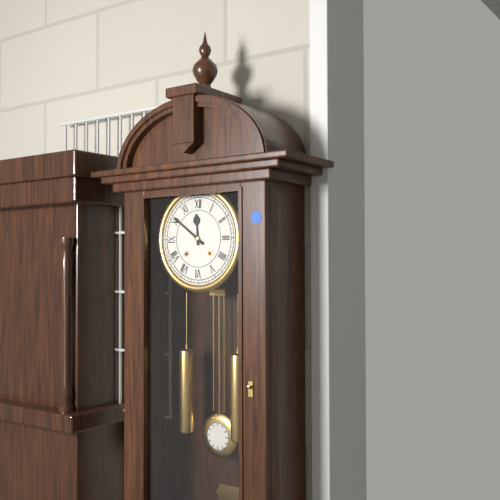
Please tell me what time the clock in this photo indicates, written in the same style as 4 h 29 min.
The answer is 11 h 51 min
